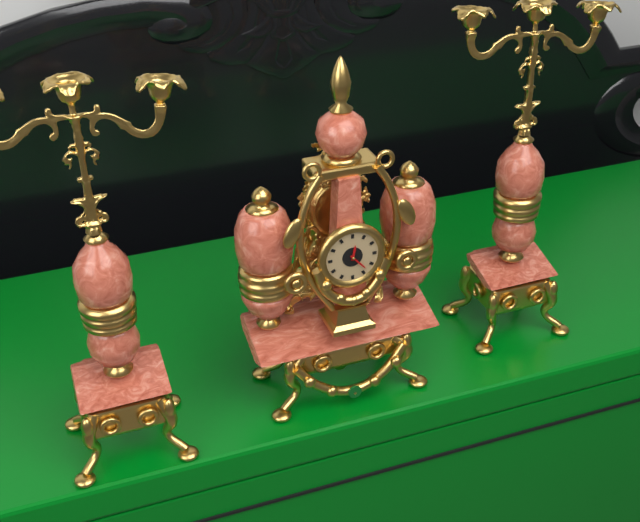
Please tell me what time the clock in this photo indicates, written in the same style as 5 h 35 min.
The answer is 12 h 23 min
